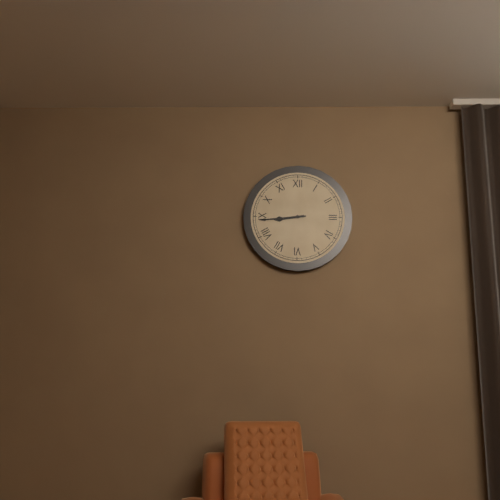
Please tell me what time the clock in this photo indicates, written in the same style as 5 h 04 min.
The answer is 8 h 44 min
